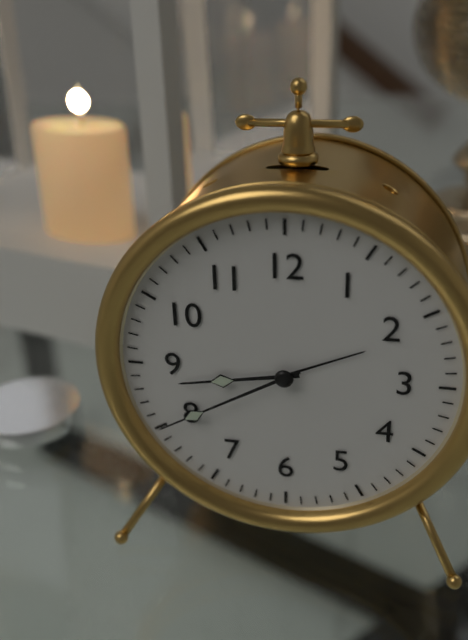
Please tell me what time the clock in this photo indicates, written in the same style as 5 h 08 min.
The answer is 8 h 40 min
